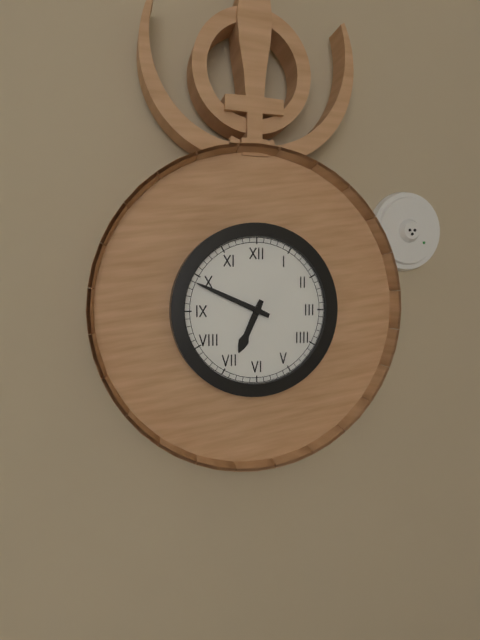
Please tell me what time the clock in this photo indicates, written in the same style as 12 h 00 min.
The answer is 6 h 49 min
